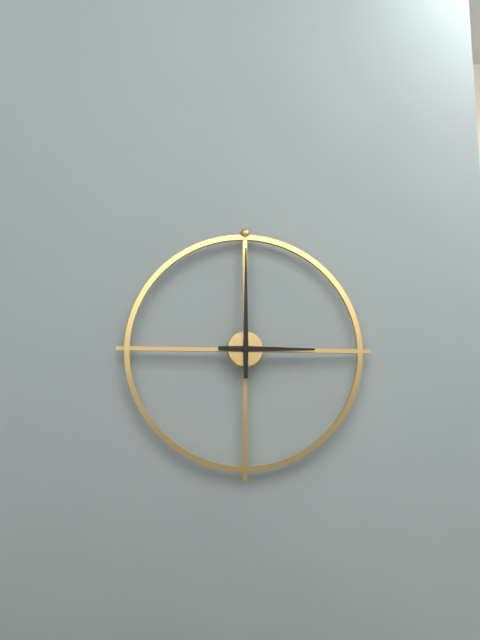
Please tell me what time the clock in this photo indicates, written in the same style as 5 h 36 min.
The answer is 3 h 00 min
